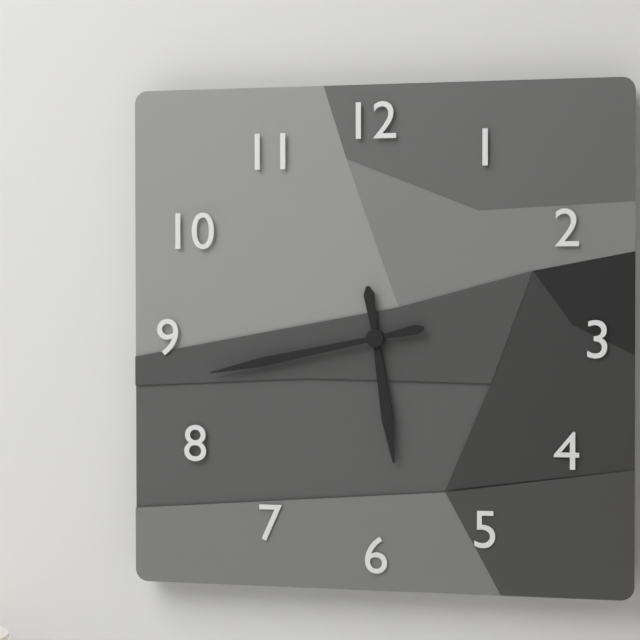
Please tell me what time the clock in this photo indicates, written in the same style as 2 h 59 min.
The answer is 5 h 43 min
